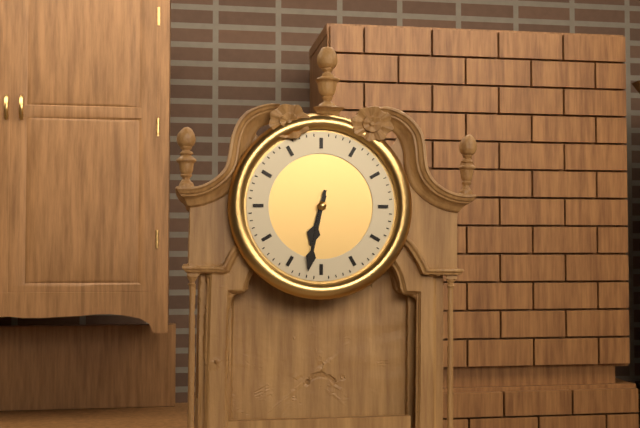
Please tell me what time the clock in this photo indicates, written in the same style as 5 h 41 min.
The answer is 6 h 32 min
